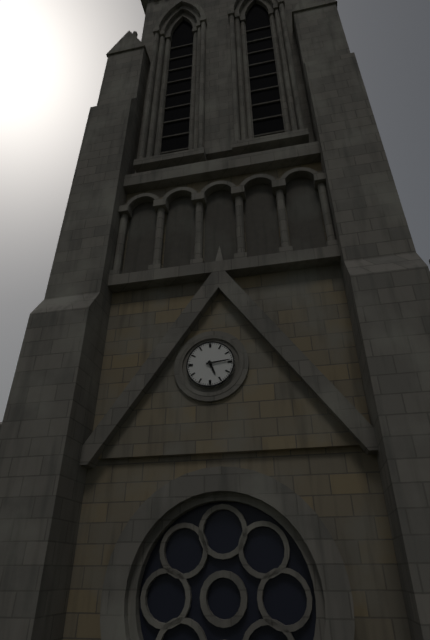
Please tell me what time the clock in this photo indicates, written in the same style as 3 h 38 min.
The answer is 5 h 14 min
